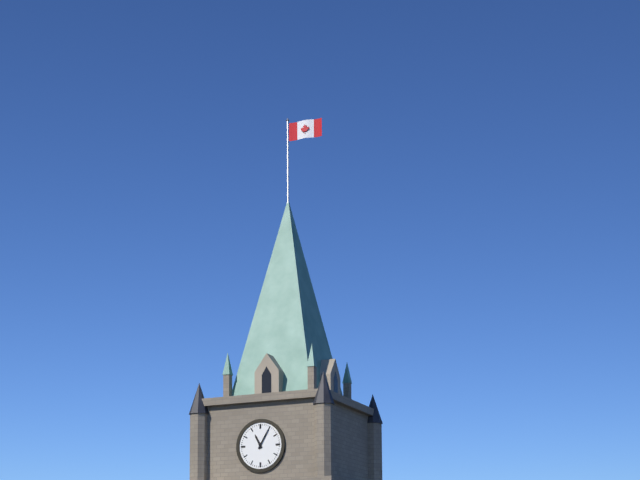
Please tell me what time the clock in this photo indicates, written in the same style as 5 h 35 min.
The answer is 11 h 05 min
